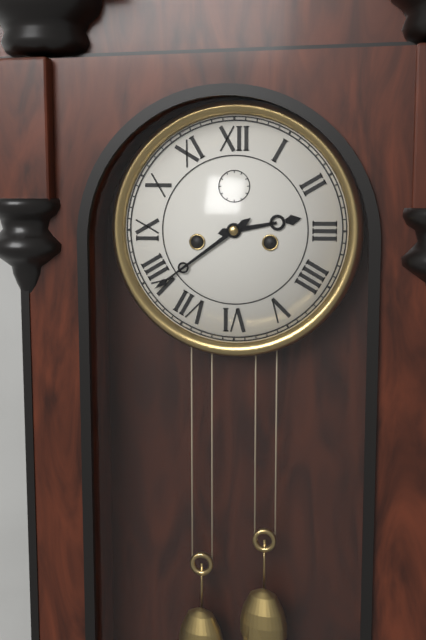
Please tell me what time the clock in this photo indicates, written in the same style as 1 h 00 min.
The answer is 2 h 39 min
